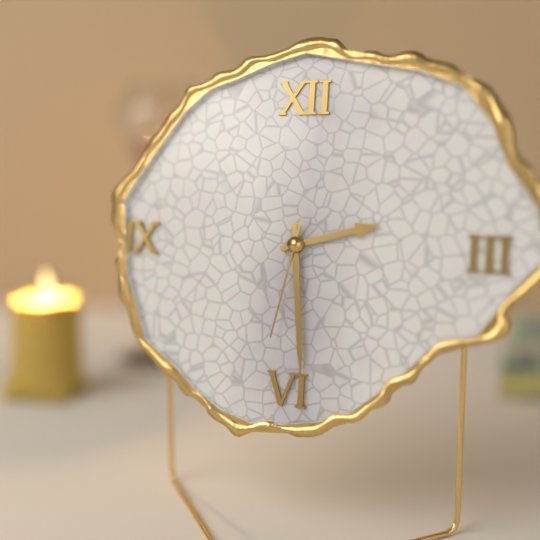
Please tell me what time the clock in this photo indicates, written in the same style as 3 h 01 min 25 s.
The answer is 2 h 29 min 32 s
